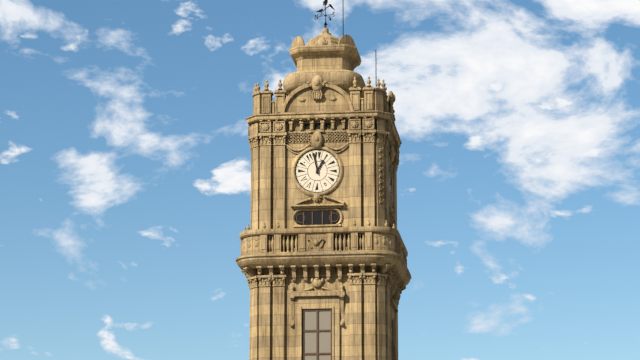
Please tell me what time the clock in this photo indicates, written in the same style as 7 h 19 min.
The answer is 12 h 58 min
